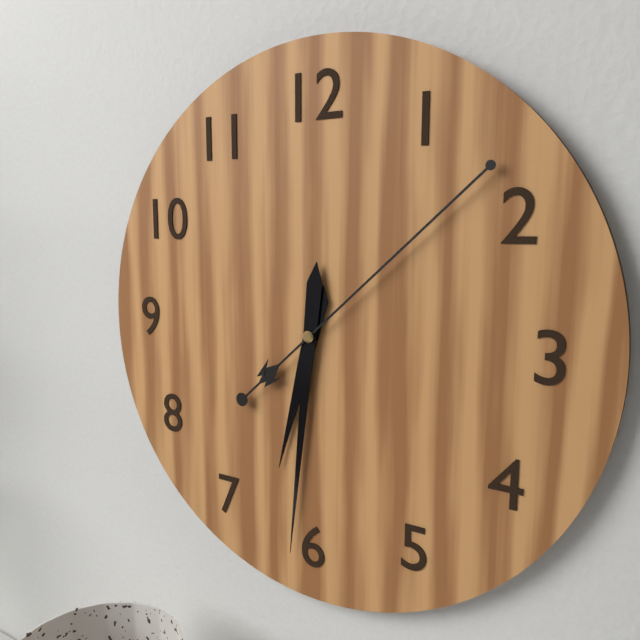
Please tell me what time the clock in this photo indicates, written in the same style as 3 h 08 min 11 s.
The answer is 6 h 31 min 08 s
